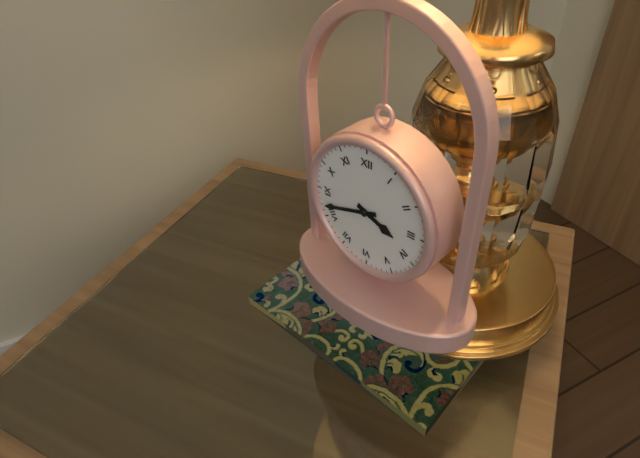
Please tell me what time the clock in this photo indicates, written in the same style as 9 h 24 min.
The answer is 3 h 42 min
